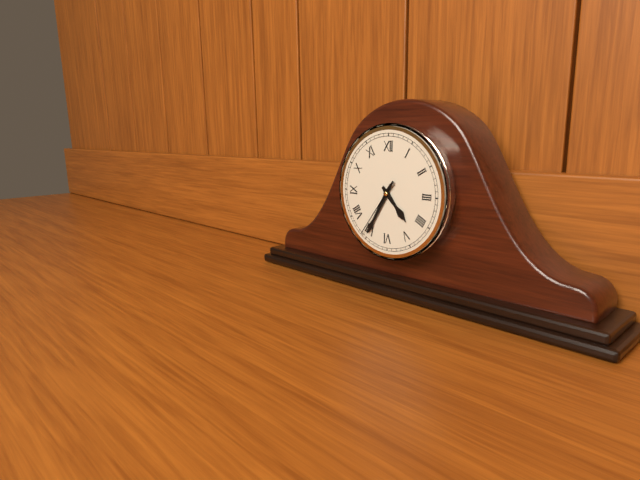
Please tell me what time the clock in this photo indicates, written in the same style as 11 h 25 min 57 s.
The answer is 4 h 35 min 36 s
